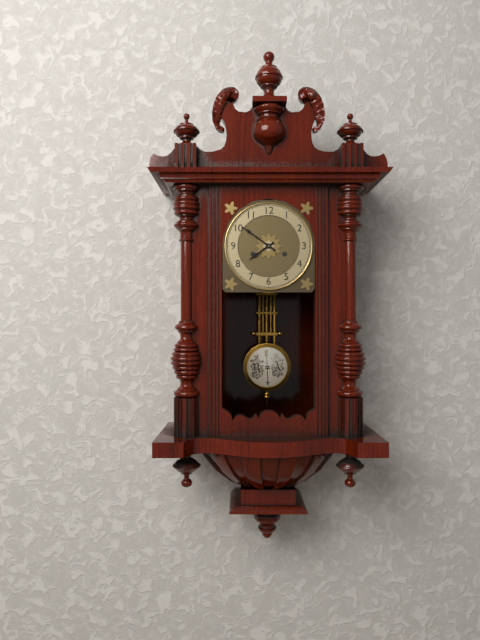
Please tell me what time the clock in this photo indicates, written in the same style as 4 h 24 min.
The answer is 7 h 51 min
